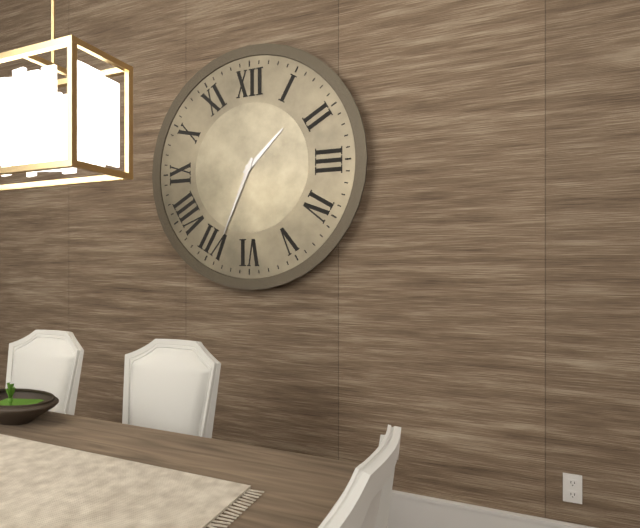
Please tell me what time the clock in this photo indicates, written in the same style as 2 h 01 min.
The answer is 1 h 34 min
